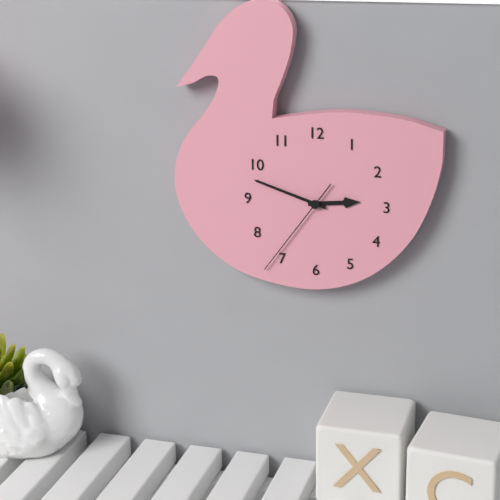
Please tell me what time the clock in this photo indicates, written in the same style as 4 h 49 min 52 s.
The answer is 2 h 48 min 36 s
